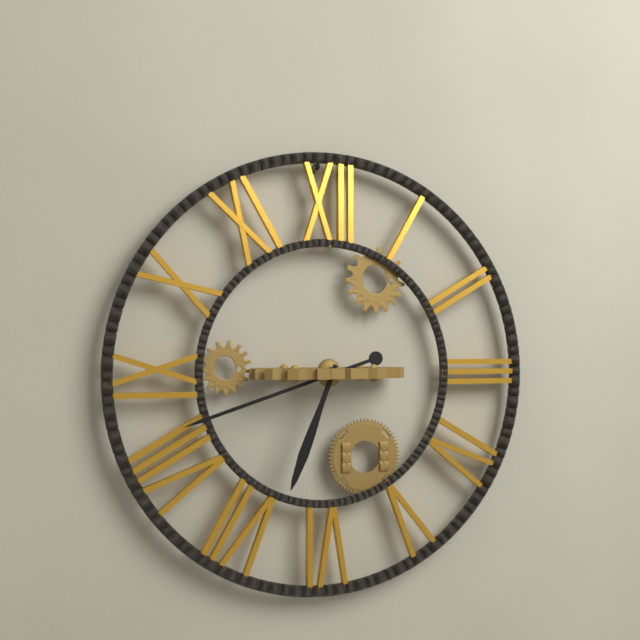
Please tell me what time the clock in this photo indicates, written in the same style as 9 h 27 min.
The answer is 6 h 42 min
